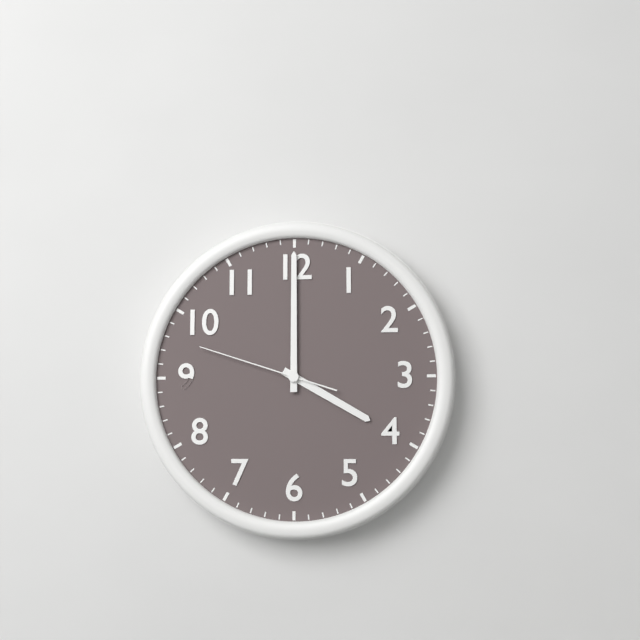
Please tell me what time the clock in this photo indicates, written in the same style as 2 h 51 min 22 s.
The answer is 4 h 00 min 48 s
